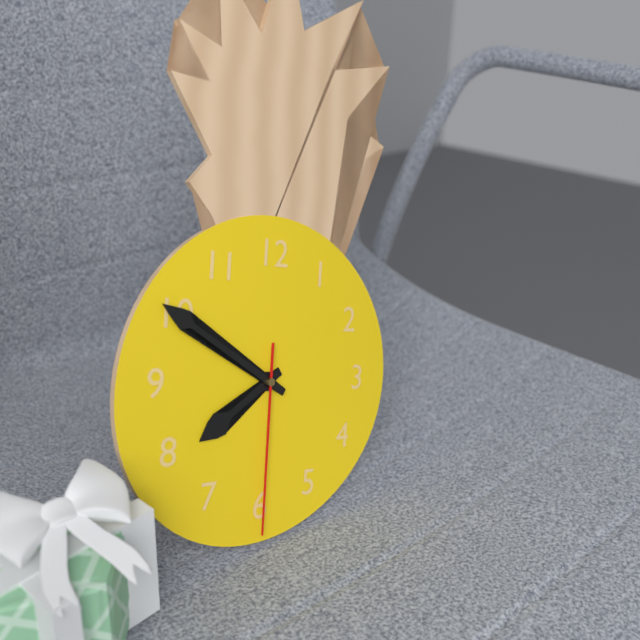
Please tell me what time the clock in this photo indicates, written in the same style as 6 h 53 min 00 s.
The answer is 7 h 50 min 30 s
